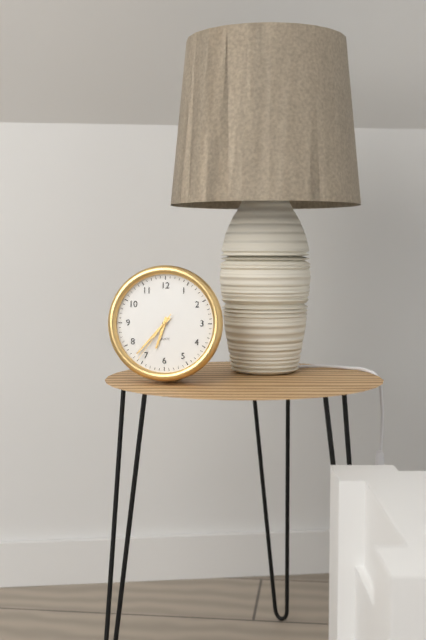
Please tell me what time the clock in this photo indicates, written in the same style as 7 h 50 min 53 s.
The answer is 6 h 37 min 36 s
